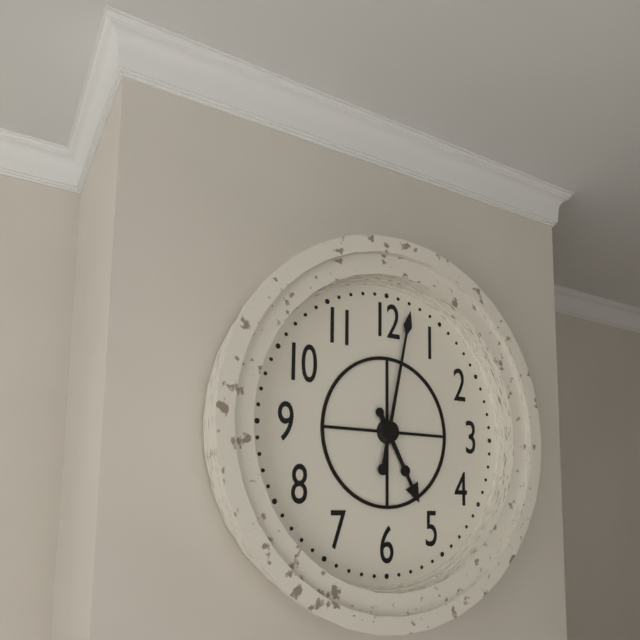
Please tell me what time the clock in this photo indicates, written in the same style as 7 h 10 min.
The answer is 5 h 02 min
